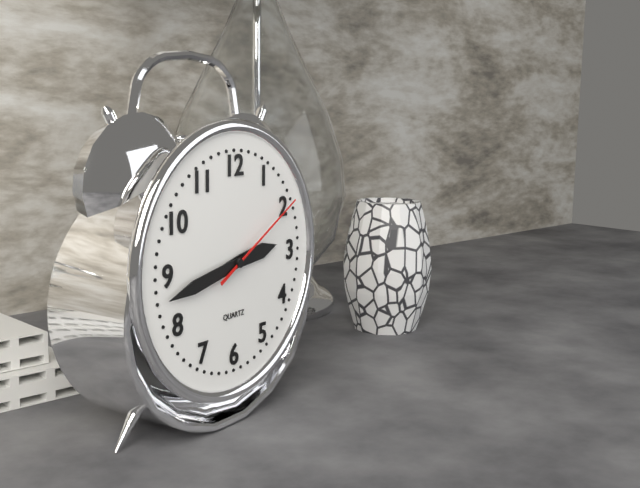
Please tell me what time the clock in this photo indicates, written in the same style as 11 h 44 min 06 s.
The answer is 2 h 43 min 10 s
